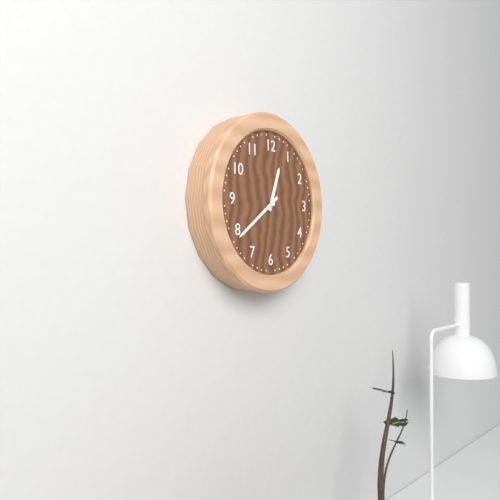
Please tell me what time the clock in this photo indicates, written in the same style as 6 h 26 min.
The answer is 12 h 39 min
